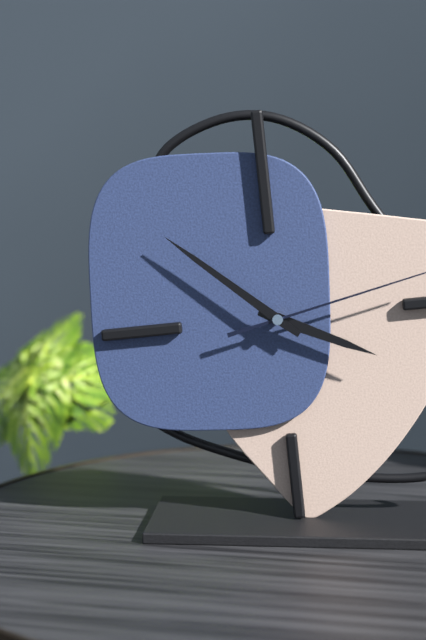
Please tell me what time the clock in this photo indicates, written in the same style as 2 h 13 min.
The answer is 3 h 52 min
